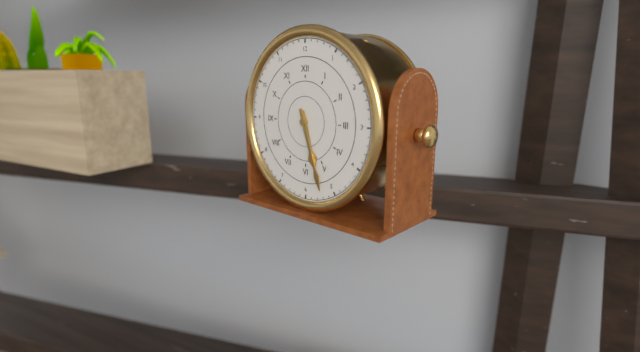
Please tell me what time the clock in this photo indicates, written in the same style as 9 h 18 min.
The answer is 5 h 27 min
